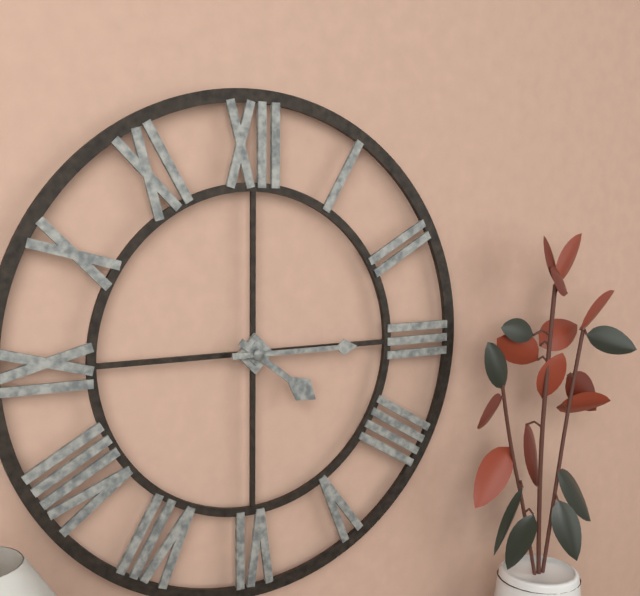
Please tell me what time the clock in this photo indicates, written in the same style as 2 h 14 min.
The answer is 4 h 15 min
